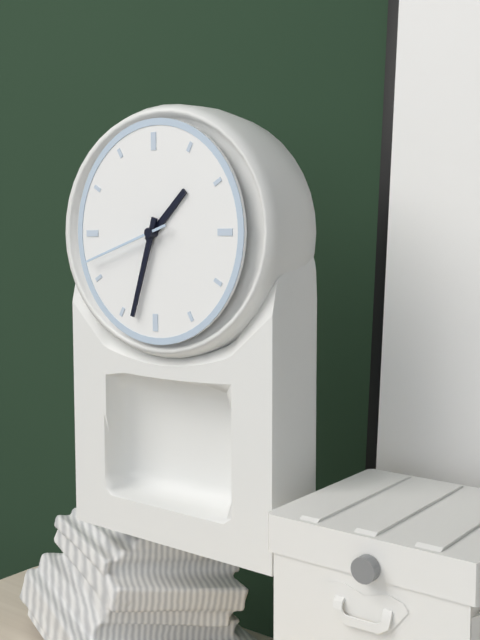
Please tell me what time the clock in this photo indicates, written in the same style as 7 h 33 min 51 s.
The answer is 1 h 33 min 42 s
